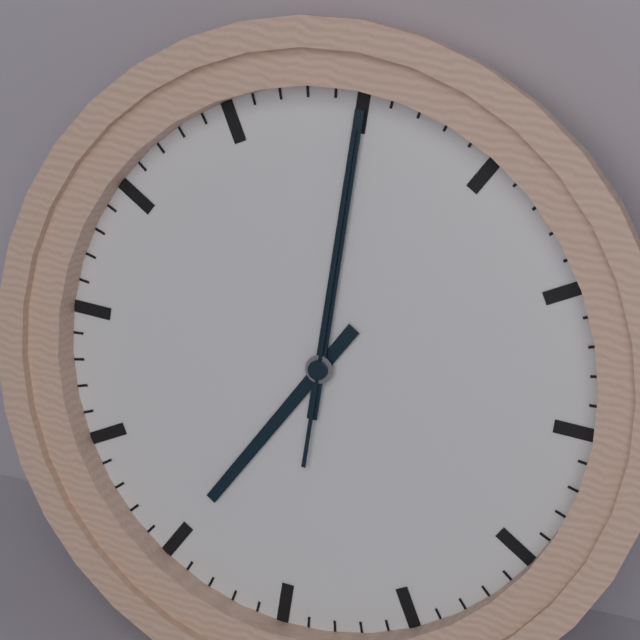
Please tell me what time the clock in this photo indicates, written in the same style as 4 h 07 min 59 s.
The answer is 7 h 00 min 00 s
